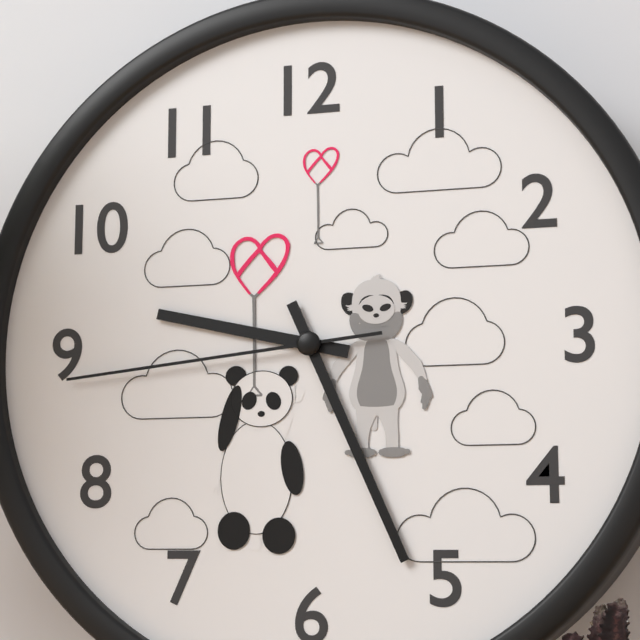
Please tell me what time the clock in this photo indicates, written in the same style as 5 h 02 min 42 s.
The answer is 9 h 26 min 44 s
